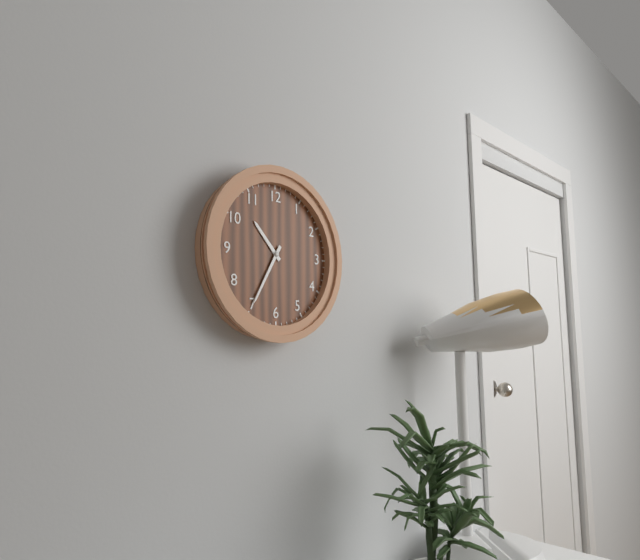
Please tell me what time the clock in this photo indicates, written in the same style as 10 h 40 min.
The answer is 10 h 35 min
